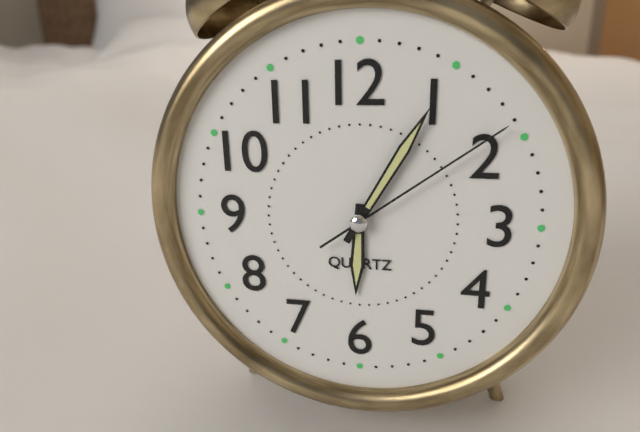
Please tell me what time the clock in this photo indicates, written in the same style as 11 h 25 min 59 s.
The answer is 6 h 05 min 09 s
